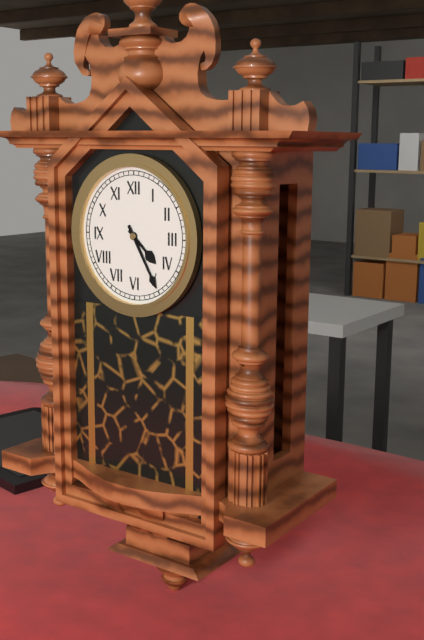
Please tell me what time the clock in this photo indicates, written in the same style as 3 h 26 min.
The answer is 4 h 25 min
